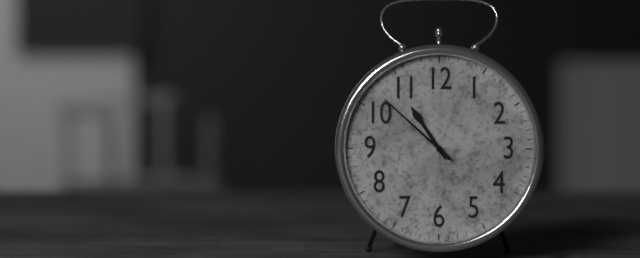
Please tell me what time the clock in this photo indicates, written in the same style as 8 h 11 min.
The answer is 10 h 52 min
